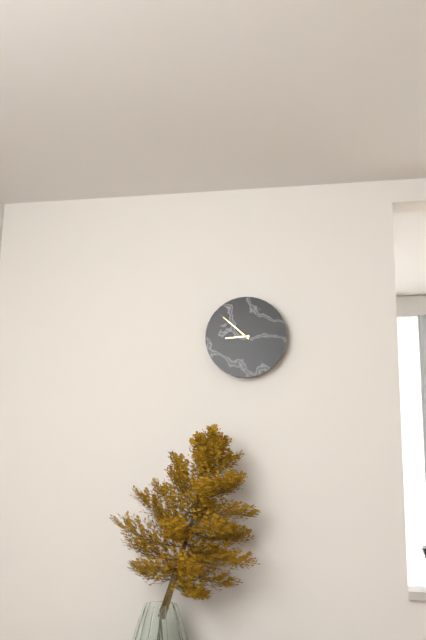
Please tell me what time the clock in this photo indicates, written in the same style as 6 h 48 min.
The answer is 8 h 52 min
